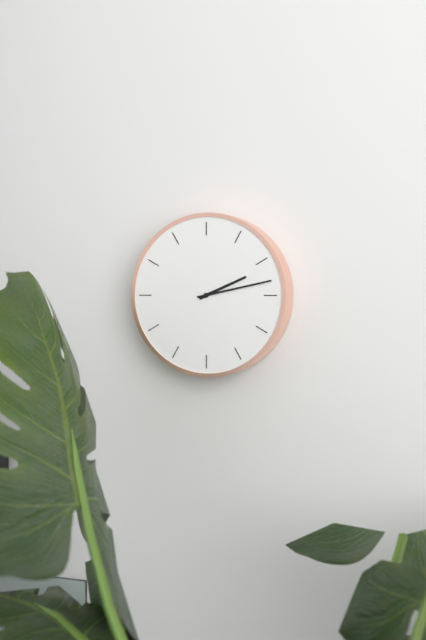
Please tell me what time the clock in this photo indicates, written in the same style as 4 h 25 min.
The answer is 2 h 13 min
